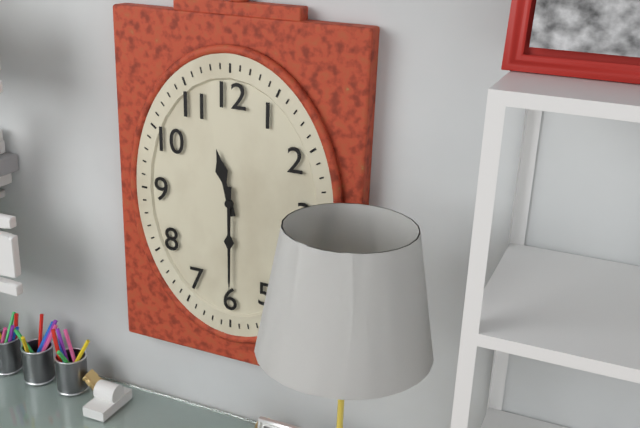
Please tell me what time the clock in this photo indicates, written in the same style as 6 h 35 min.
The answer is 11 h 30 min
